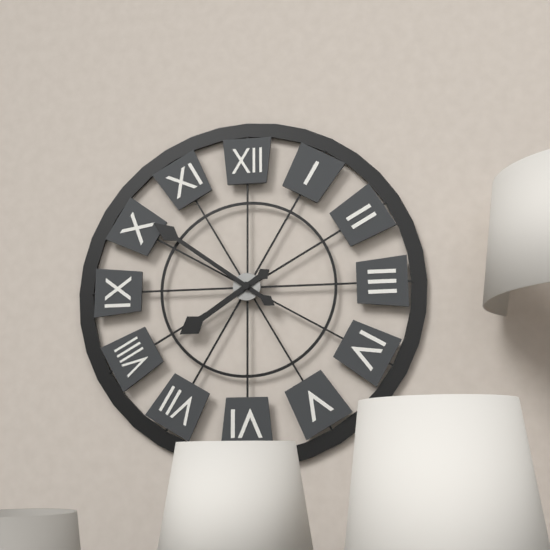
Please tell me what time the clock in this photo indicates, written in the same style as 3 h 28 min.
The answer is 7 h 51 min
